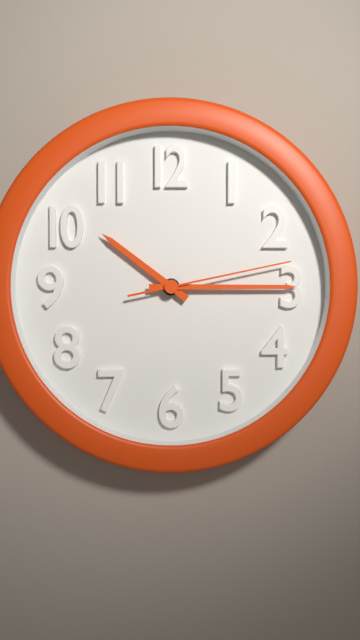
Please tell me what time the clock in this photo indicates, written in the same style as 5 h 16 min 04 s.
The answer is 10 h 15 min 13 s
